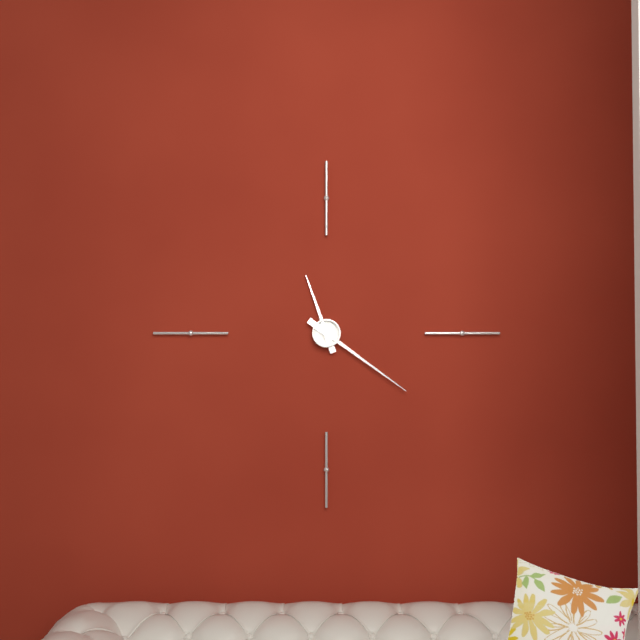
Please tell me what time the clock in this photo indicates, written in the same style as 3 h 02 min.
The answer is 11 h 21 min
